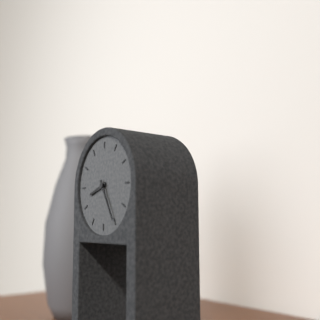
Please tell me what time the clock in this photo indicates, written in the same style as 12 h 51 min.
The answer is 8 h 25 min
